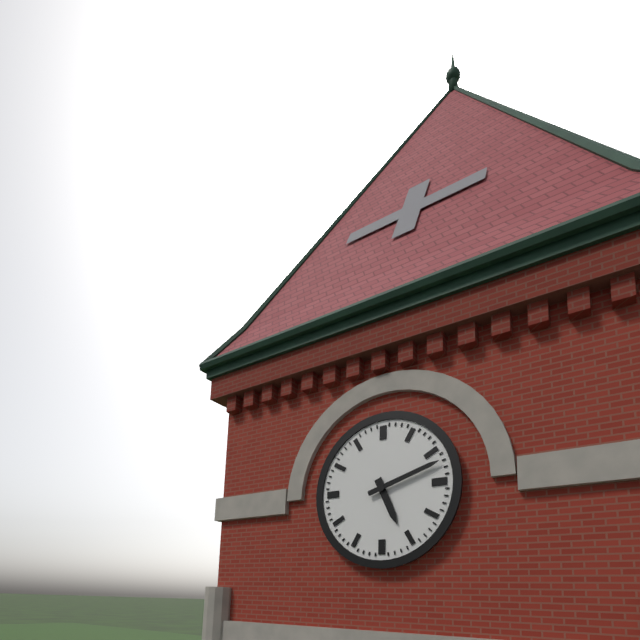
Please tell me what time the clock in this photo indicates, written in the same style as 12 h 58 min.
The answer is 5 h 12 min
